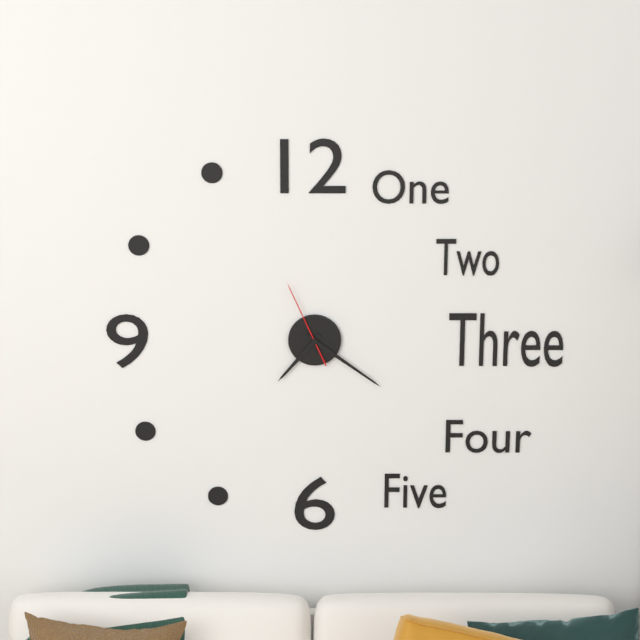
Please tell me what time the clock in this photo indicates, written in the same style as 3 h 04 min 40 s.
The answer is 7 h 21 min 56 s
